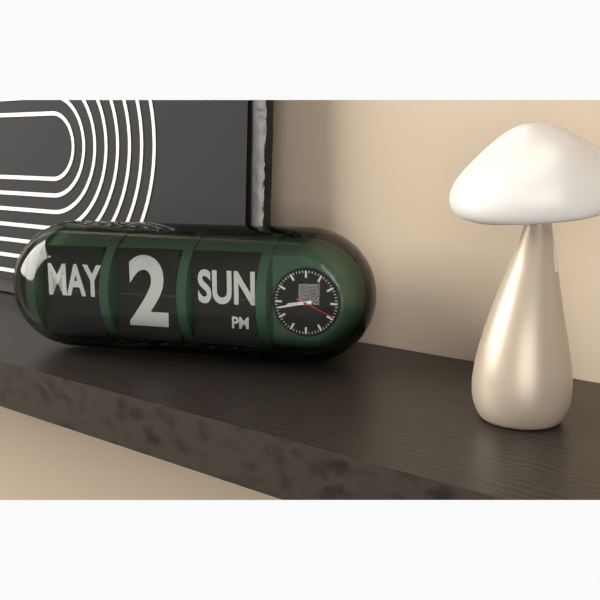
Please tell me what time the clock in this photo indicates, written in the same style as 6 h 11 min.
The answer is 8 h 43 min
